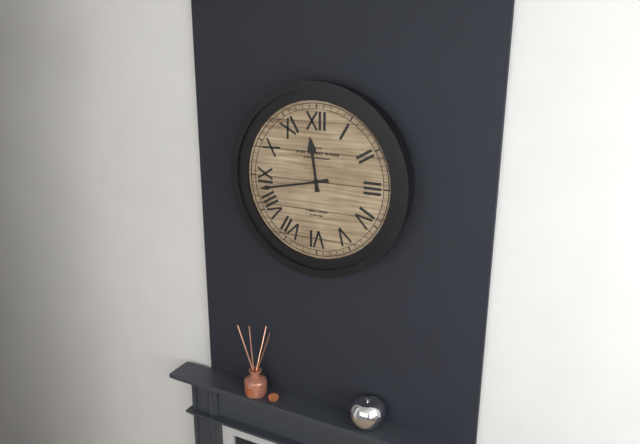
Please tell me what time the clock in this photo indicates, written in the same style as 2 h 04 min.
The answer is 11 h 43 min
